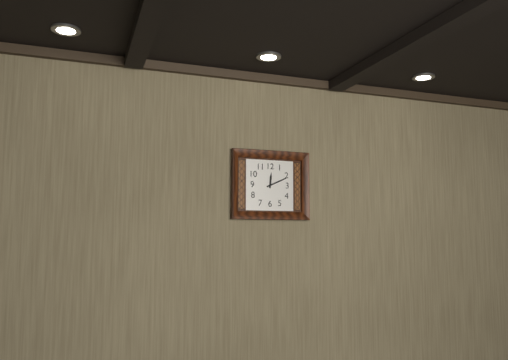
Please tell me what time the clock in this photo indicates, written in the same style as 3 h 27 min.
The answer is 12 h 11 min
